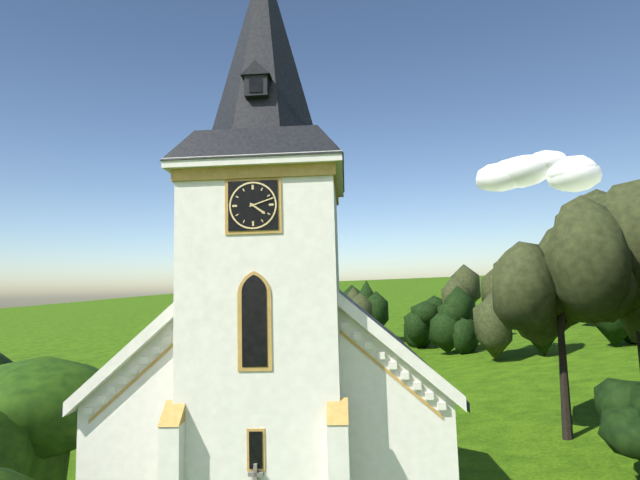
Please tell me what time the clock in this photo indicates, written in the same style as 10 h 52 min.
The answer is 4 h 12 min
